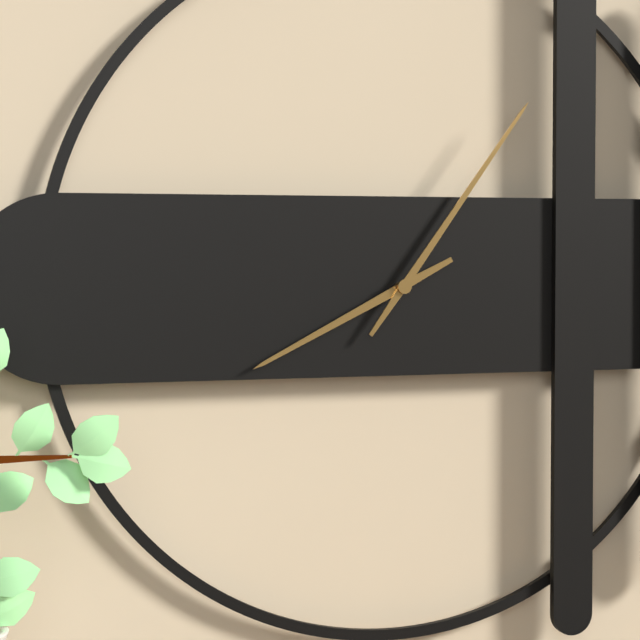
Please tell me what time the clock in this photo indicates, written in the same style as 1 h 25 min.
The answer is 8 h 06 min
